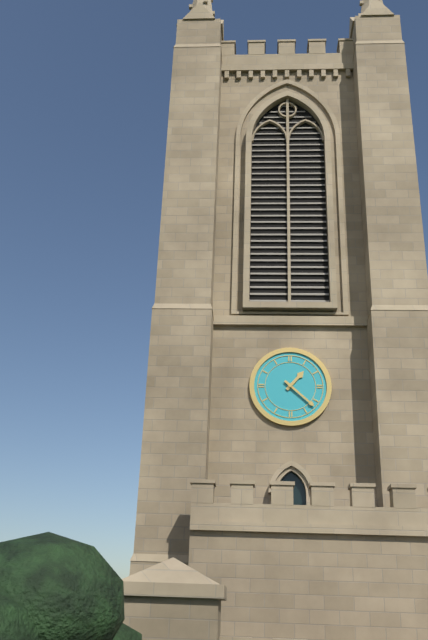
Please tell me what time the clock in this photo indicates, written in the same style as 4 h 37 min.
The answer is 1 h 22 min
